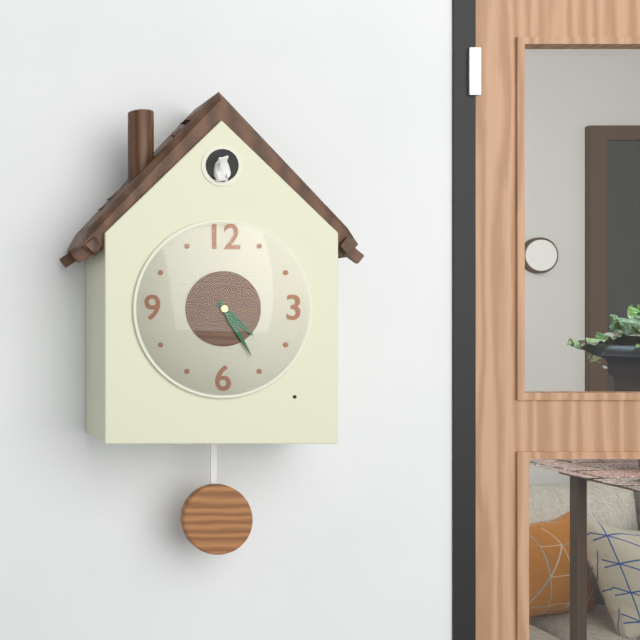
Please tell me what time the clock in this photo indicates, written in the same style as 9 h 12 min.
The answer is 4 h 25 min
